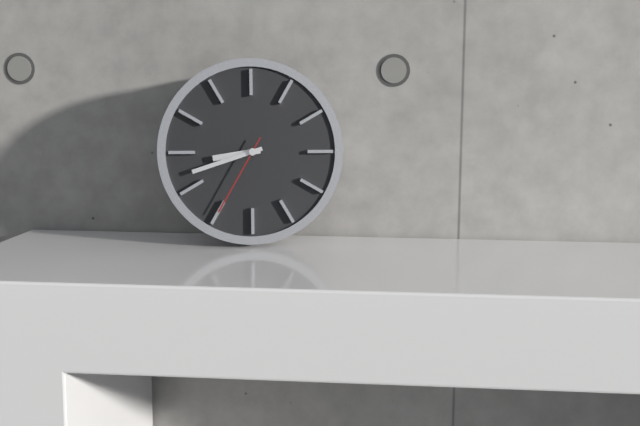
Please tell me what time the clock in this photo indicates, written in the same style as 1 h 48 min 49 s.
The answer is 8 h 42 min 35 s
